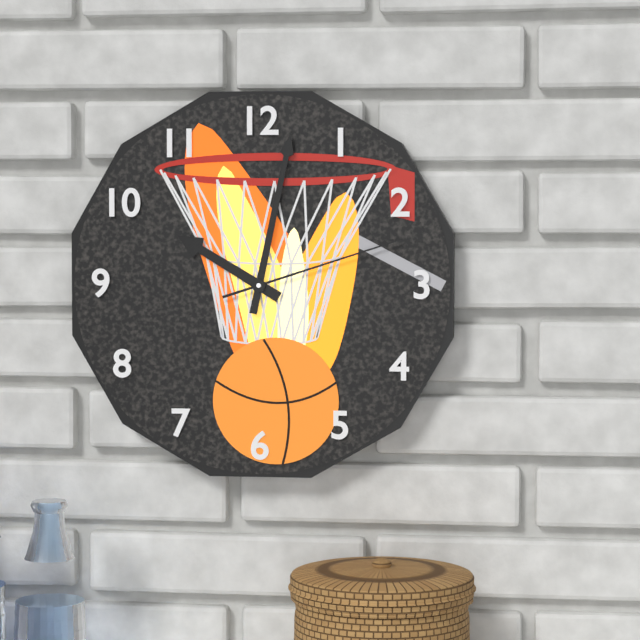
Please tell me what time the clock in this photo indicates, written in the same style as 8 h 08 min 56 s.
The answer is 10 h 02 min 12 s
